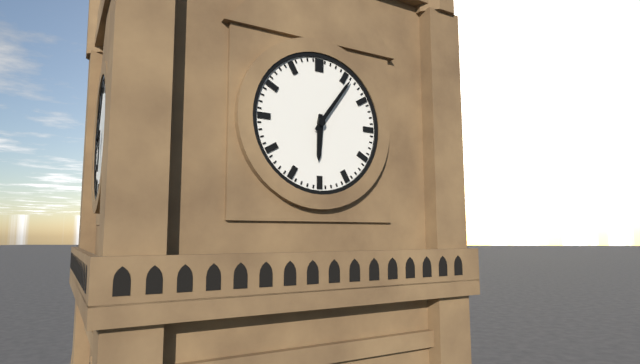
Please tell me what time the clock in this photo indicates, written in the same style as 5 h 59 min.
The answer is 6 h 06 min
